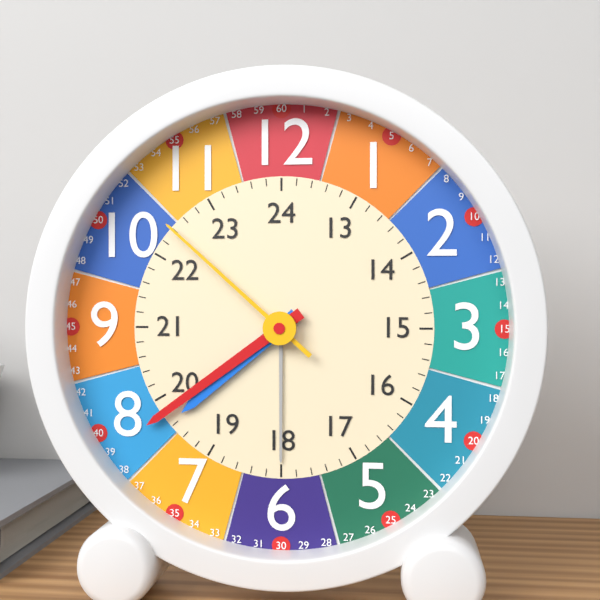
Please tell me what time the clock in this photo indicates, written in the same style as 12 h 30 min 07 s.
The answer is 7 h 39 min 52 s
